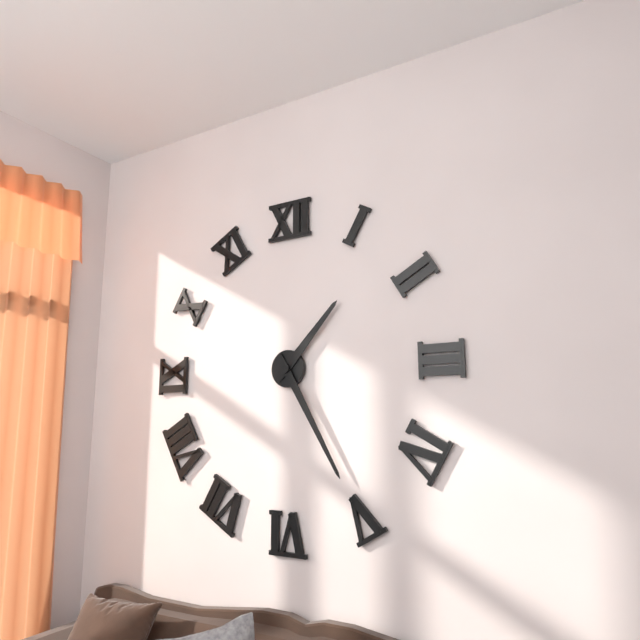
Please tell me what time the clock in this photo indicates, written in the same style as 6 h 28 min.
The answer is 1 h 25 min
